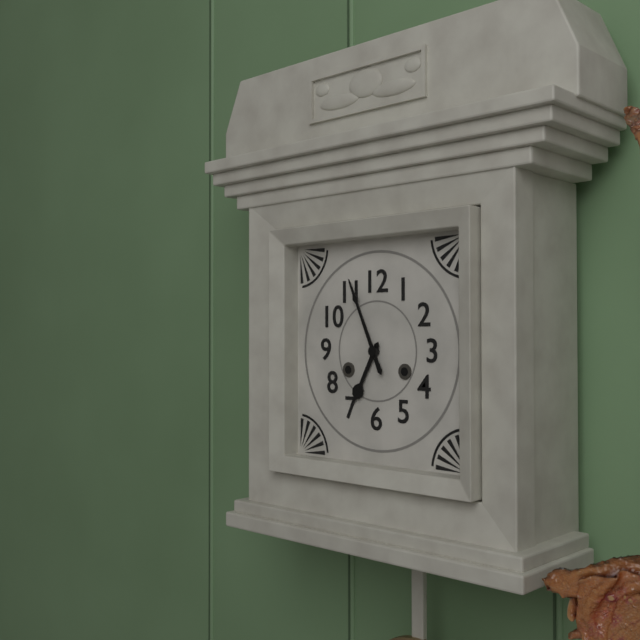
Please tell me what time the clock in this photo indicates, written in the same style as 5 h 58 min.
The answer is 6 h 56 min
